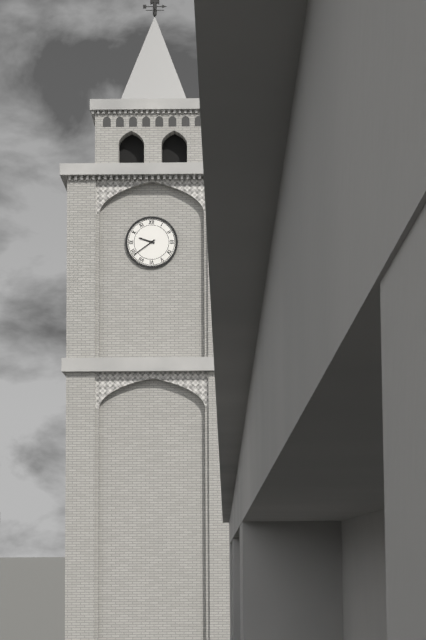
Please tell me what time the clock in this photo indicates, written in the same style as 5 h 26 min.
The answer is 9 h 39 min
